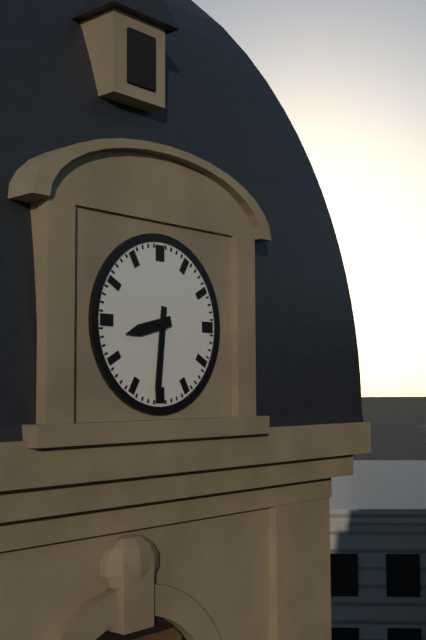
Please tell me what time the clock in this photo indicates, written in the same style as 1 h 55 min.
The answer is 8 h 31 min
